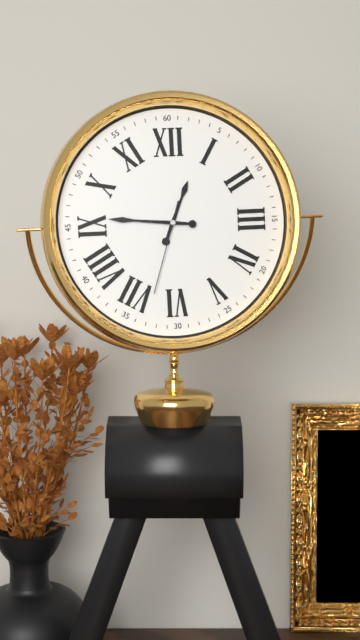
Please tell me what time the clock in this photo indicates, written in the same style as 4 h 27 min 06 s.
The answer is 12 h 46 min 33 s
